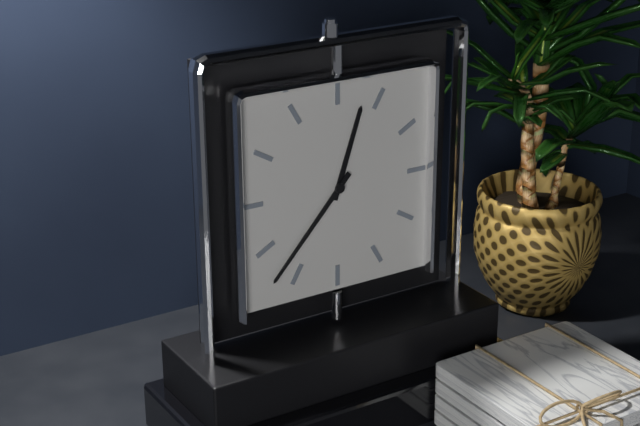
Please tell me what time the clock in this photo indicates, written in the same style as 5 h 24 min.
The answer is 12 h 37 min
